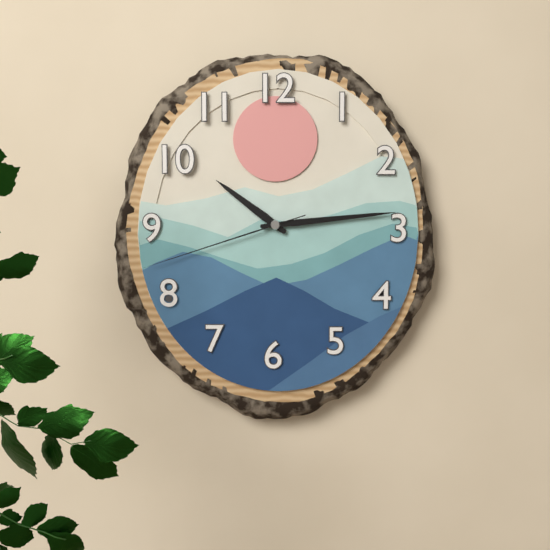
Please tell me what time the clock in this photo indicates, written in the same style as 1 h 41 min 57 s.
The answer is 10 h 14 min 42 s
